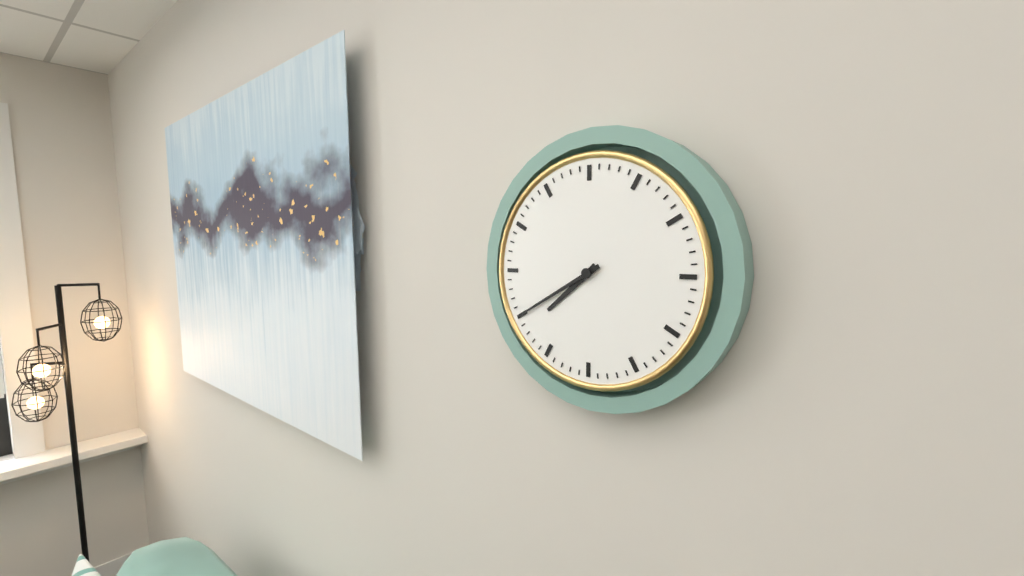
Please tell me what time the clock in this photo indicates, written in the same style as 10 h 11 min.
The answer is 7 h 40 min
